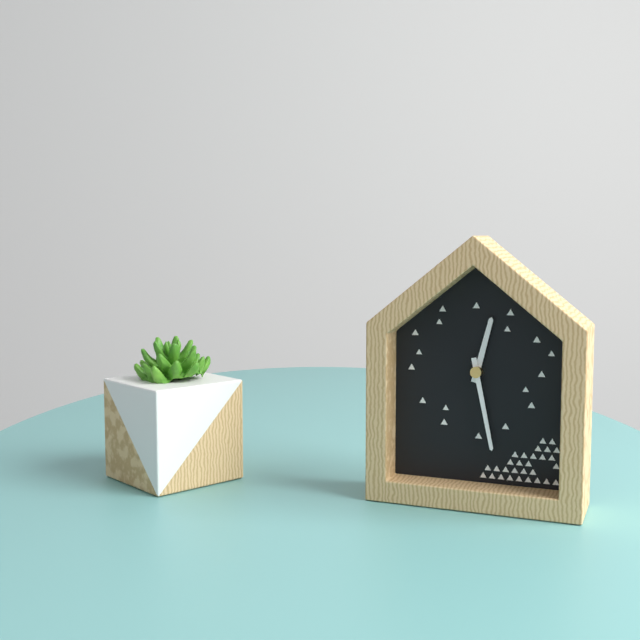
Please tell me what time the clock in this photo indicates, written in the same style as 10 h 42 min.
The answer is 12 h 28 min
